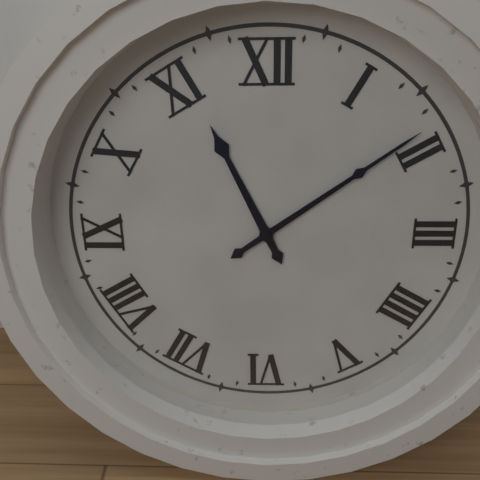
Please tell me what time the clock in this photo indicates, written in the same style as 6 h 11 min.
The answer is 11 h 09 min
